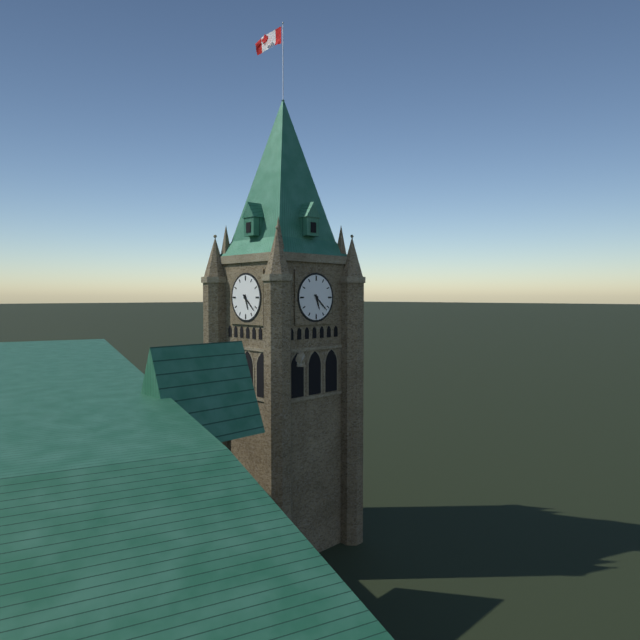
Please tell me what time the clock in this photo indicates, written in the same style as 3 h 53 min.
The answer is 5 h 22 min
